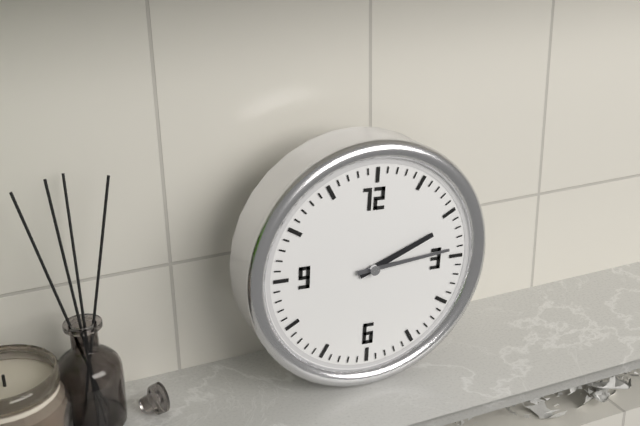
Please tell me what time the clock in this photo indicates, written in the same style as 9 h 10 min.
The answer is 2 h 14 min
